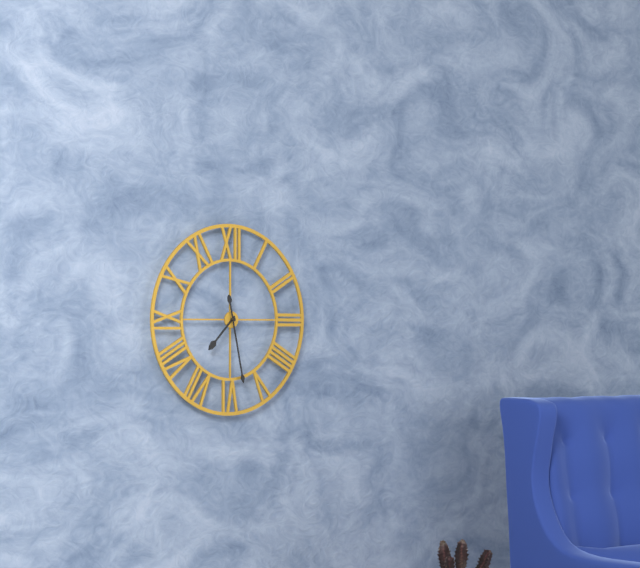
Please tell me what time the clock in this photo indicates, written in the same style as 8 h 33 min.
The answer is 7 h 28 min
